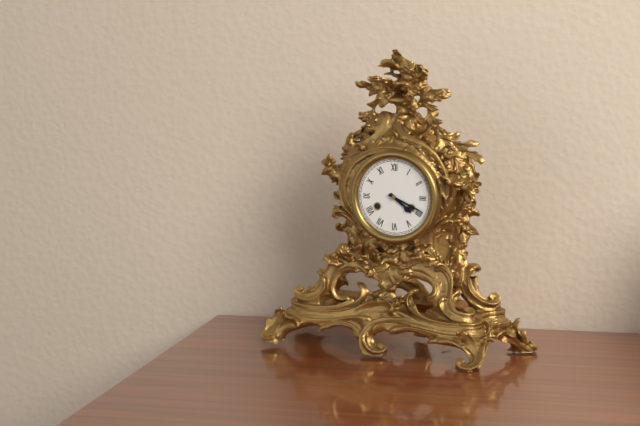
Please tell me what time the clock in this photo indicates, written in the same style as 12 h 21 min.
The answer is 4 h 19 min
